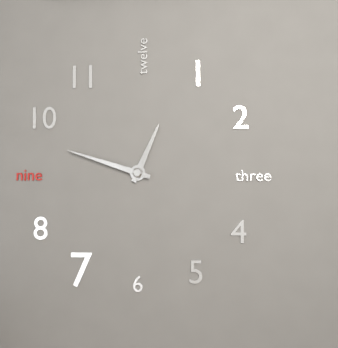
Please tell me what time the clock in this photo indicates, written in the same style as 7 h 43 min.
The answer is 12 h 48 min
